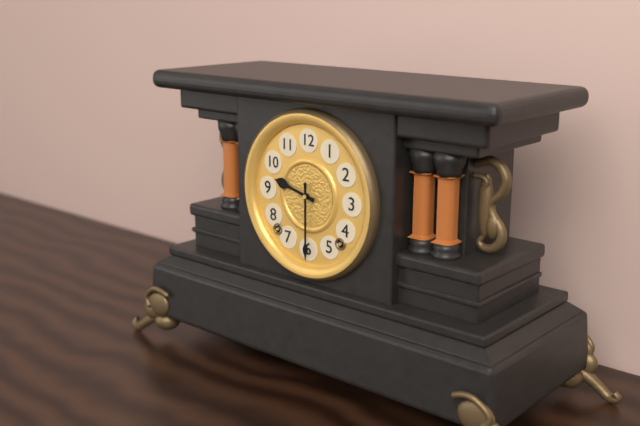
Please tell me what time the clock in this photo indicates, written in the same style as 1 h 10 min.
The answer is 9 h 30 min
